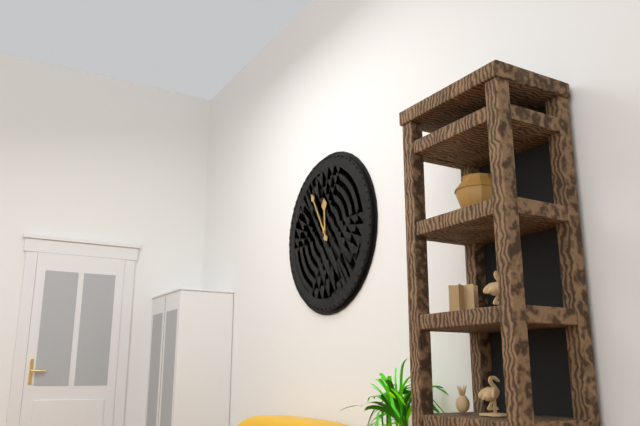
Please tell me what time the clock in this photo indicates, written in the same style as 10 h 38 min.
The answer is 11 h 55 min
